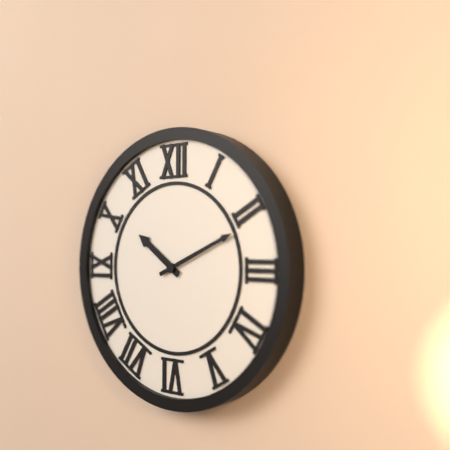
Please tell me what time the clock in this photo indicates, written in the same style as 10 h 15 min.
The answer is 10 h 11 min
